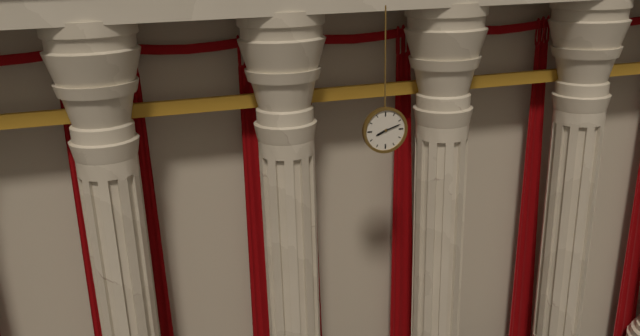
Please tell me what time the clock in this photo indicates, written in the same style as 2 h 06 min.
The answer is 8 h 12 min
